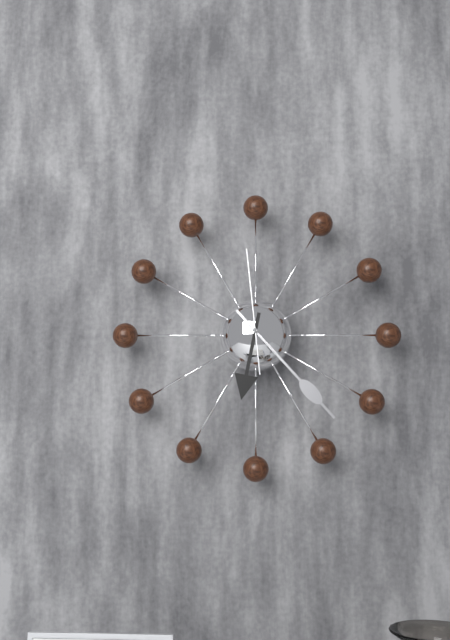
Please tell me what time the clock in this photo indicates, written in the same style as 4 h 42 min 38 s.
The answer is 6 h 23 min 59 s
